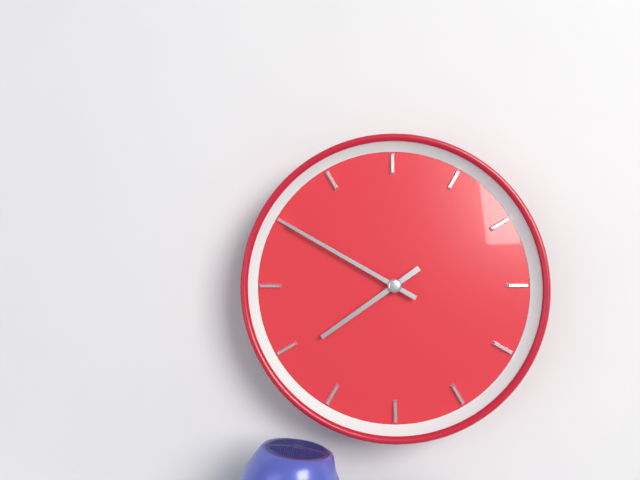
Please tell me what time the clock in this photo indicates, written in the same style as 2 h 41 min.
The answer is 7 h 50 min
